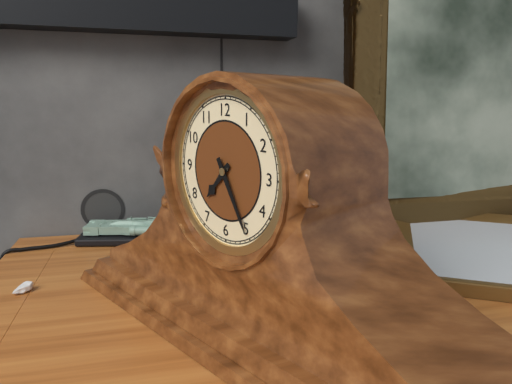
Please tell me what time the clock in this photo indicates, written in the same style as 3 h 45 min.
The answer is 7 h 25 min
